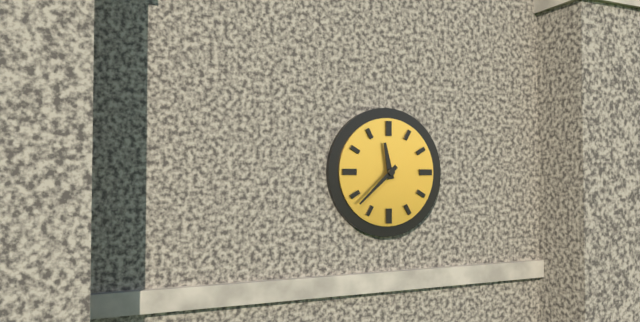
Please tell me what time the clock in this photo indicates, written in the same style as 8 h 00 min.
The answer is 11 h 38 min
